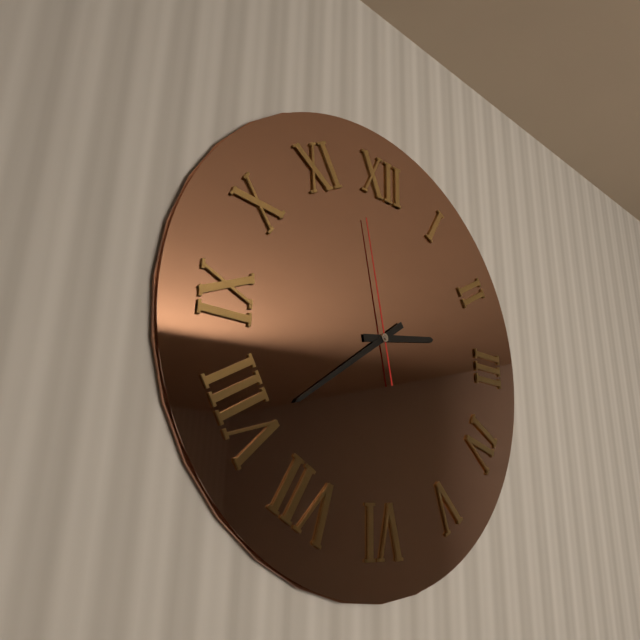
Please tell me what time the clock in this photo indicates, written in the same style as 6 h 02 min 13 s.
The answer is 2 h 39 min 58 s
